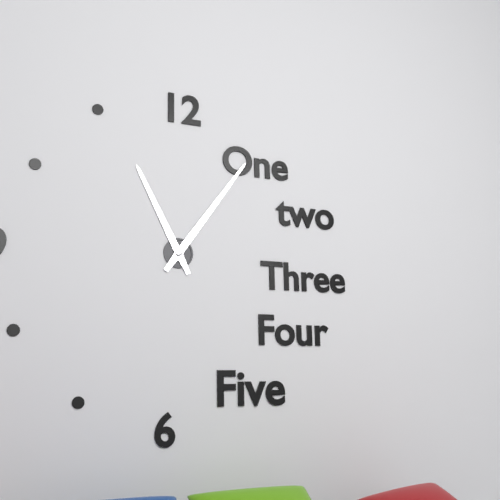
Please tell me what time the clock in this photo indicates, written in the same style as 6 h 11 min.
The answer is 11 h 06 min
